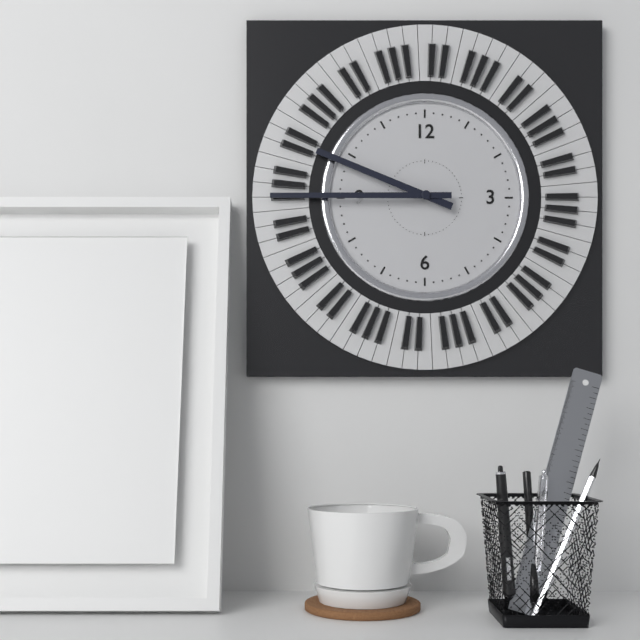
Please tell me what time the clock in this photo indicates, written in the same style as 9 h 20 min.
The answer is 9 h 45 min
